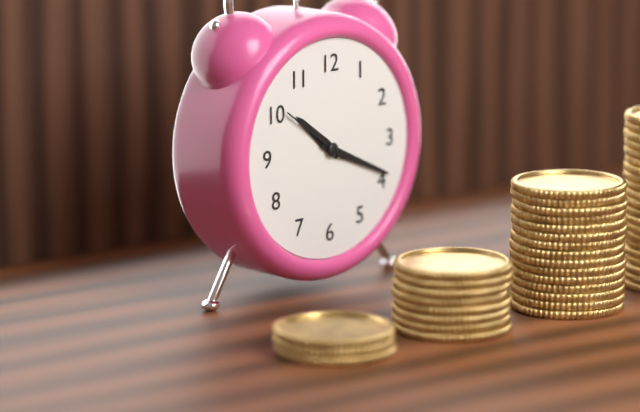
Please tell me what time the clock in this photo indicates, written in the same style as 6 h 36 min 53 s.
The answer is 10 h 19 min 51 s
